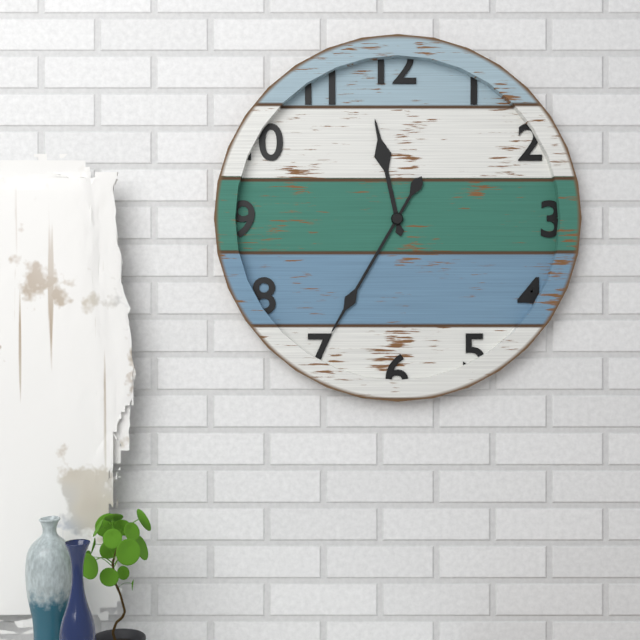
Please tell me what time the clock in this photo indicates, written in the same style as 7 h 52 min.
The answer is 11 h 35 min
